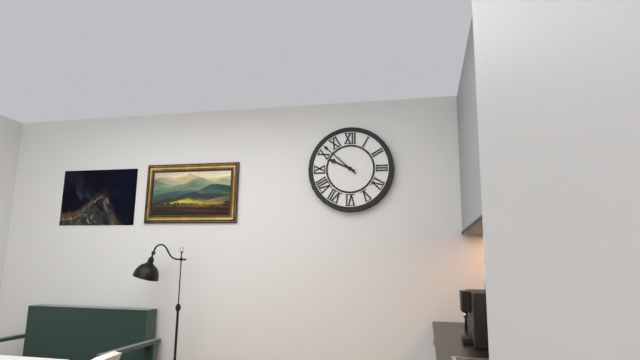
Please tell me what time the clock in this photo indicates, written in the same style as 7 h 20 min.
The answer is 9 h 52 min
